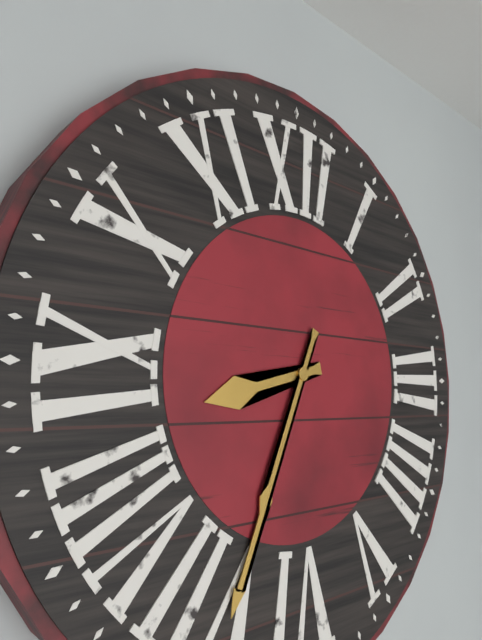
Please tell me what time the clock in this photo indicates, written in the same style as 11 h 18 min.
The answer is 8 h 34 min
